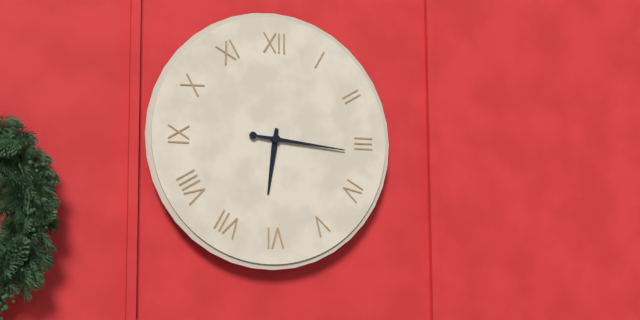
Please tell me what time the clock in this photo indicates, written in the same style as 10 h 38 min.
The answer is 6 h 16 min
